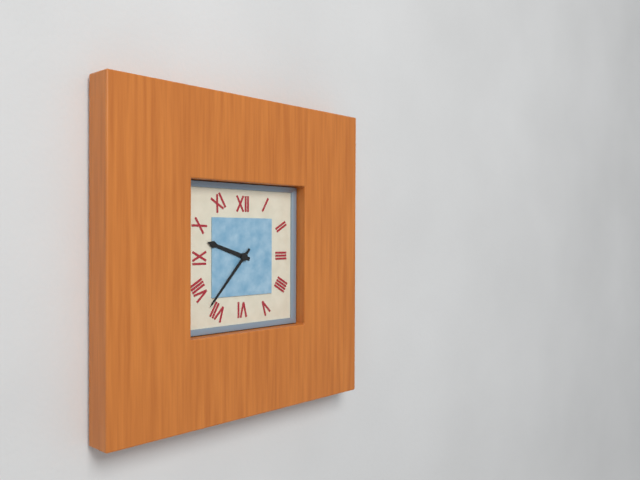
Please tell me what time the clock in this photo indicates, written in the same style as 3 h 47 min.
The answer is 9 h 37 min
